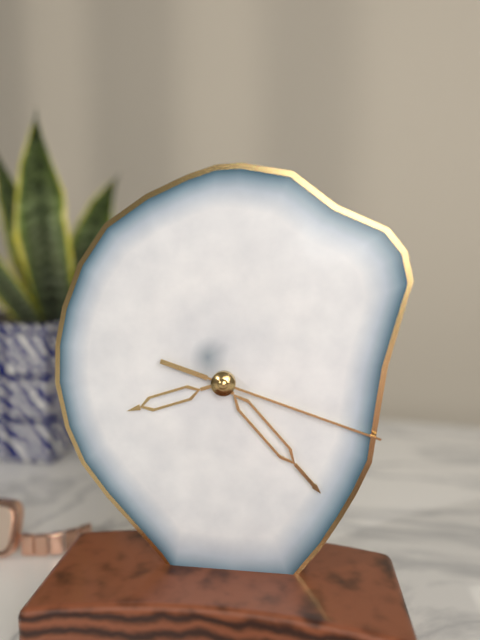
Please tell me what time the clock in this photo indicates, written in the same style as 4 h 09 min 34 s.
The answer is 8 h 23 min 18 s
